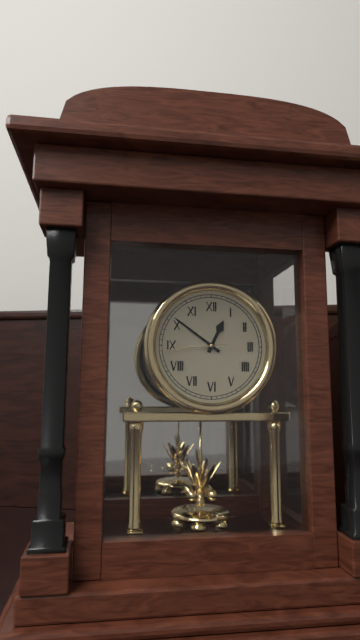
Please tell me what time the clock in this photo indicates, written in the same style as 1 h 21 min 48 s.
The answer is 12 h 51 min 44 s
